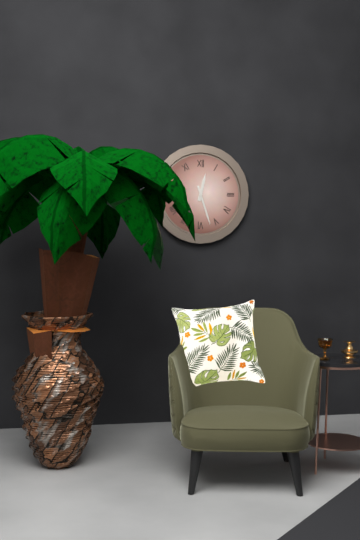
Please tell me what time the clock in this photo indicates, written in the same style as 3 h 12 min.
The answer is 12 h 27 min
